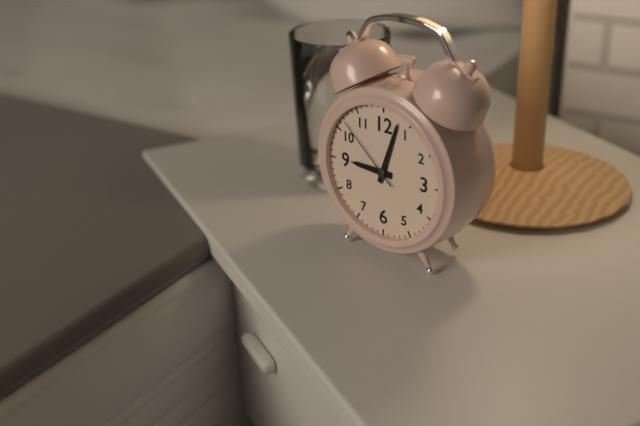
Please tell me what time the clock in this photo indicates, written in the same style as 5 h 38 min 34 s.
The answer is 9 h 03 min 52 s
